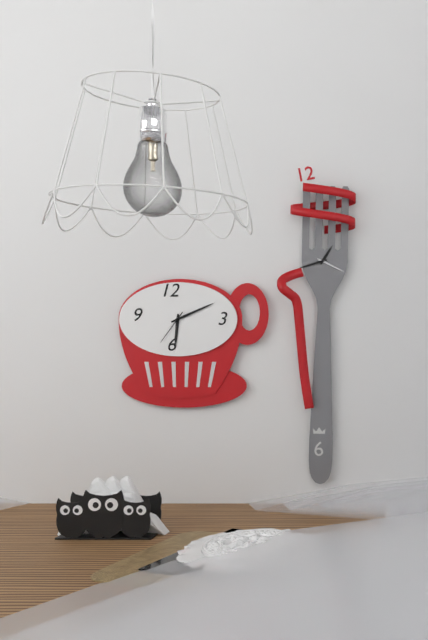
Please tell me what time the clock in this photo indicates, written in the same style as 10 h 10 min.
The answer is 6 h 11 min
